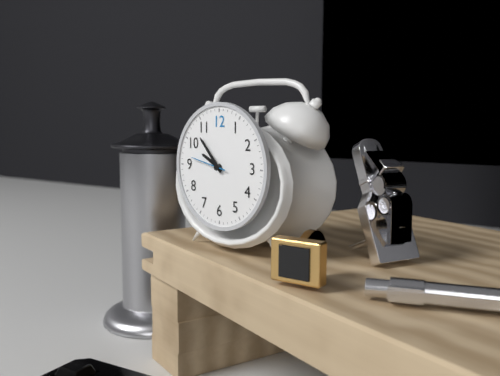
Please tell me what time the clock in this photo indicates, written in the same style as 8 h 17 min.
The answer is 9 h 53 min
